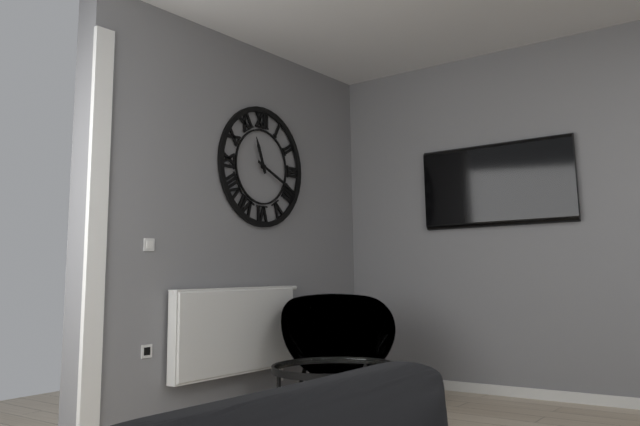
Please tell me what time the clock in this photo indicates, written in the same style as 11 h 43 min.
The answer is 11 h 19 min
